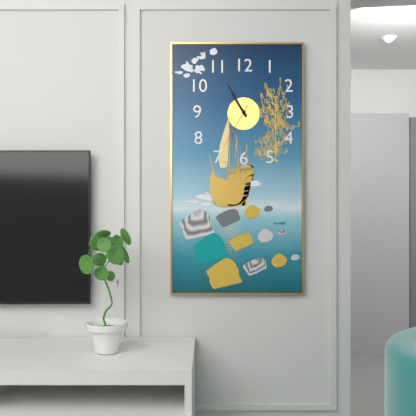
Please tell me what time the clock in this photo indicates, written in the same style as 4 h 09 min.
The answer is 10 h 55 min
